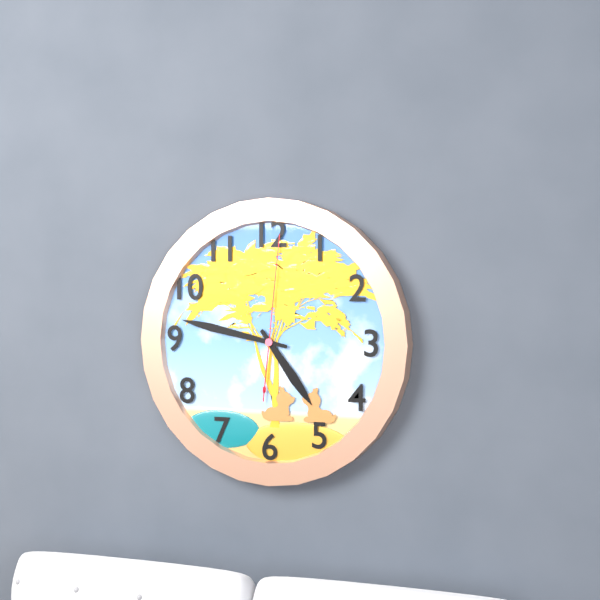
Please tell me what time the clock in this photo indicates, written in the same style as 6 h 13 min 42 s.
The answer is 4 h 47 min 01 s
